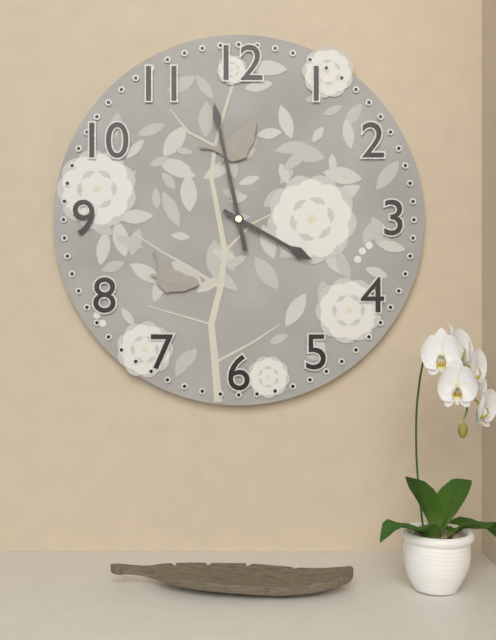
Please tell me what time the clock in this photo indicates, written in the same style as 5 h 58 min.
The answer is 3 h 58 min
